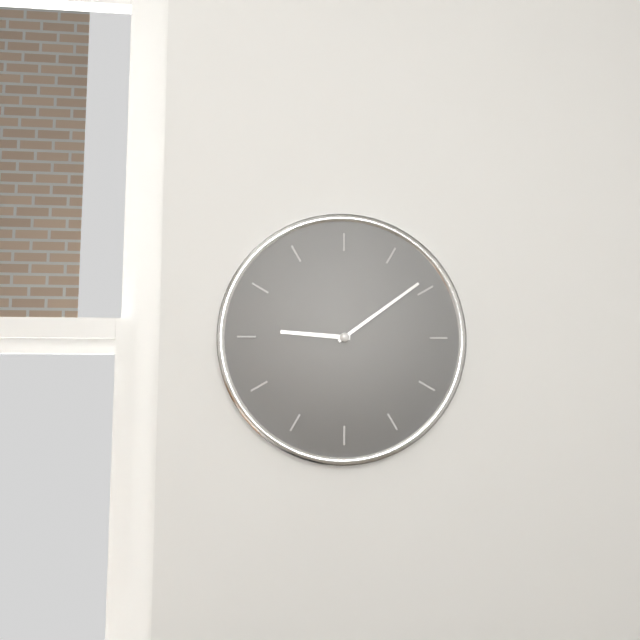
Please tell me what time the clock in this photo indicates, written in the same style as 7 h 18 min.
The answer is 9 h 09 min
